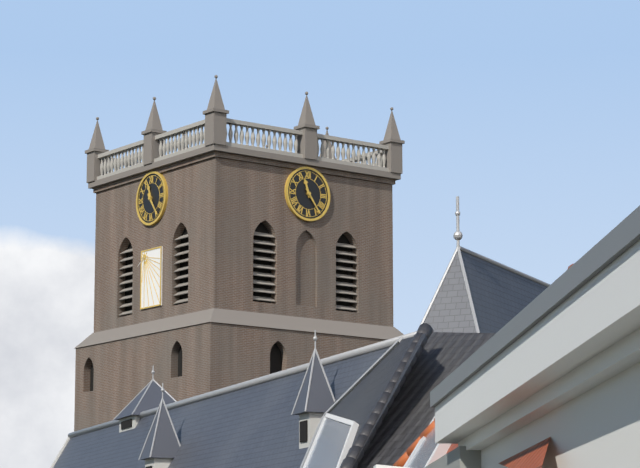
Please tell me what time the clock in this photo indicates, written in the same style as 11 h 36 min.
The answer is 11 h 24 min
